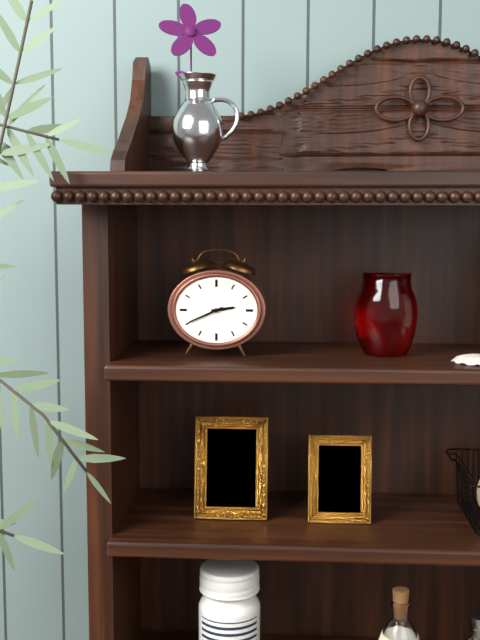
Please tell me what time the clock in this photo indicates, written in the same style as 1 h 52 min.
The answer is 2 h 41 min
